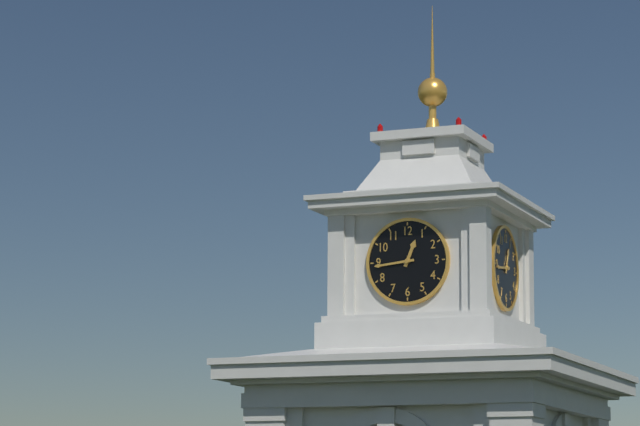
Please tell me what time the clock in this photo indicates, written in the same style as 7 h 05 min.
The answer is 12 h 44 min
